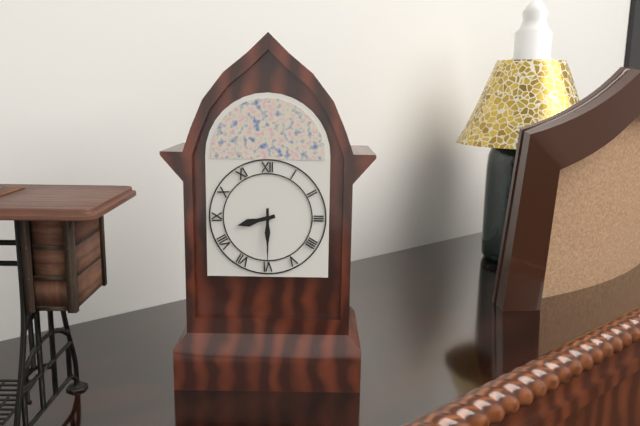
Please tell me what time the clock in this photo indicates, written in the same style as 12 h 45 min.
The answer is 8 h 30 min
